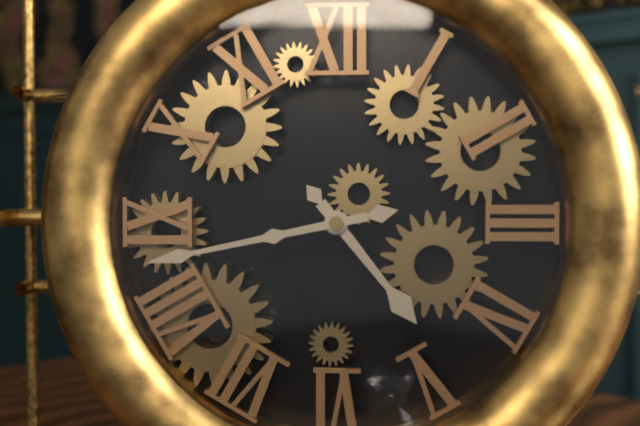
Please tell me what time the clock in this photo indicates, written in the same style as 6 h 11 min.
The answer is 4 h 43 min
